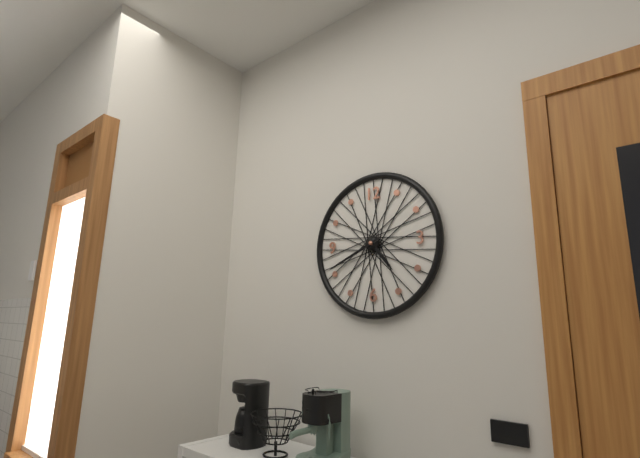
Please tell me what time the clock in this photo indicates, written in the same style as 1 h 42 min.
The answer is 4 h 41 min
